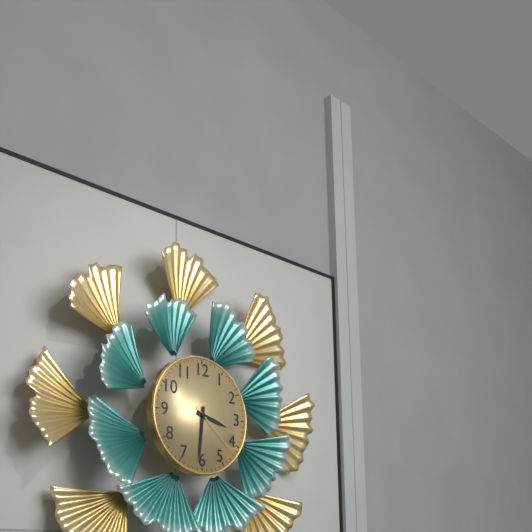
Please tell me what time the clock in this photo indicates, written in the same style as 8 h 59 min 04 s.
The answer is 3 h 31 min 22 s
